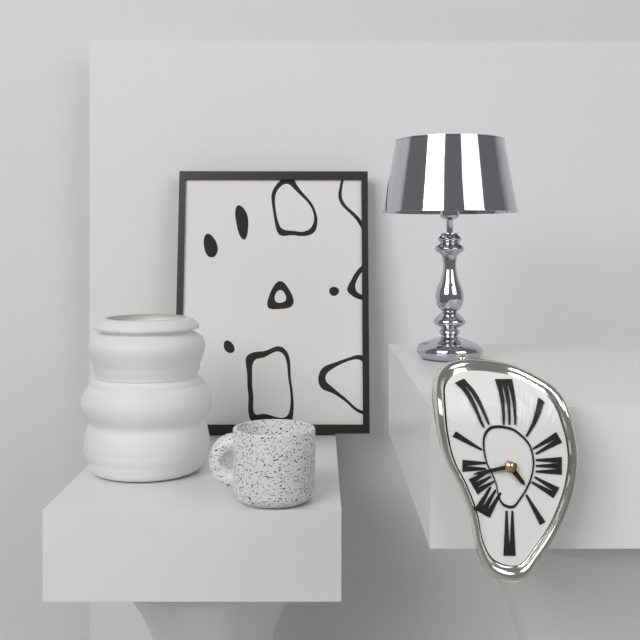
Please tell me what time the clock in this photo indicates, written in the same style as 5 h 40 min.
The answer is 4 h 43 min
